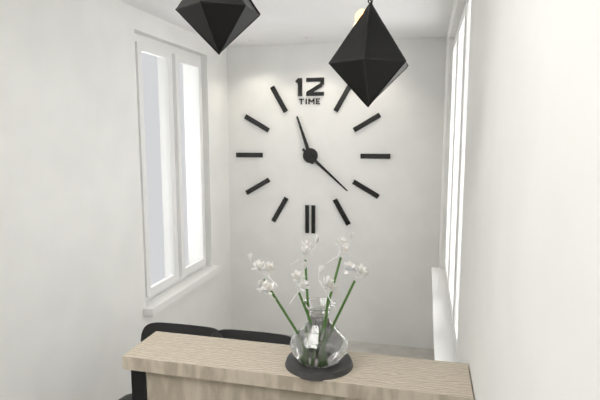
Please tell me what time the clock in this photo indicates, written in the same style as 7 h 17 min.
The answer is 11 h 22 min
